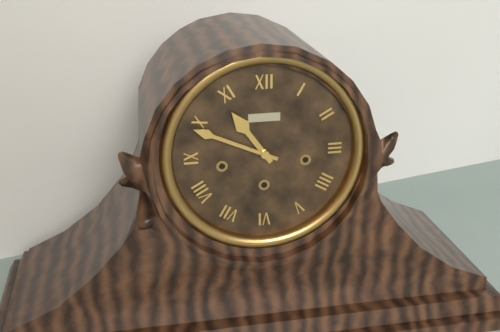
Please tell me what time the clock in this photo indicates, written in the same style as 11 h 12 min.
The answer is 10 h 49 min
